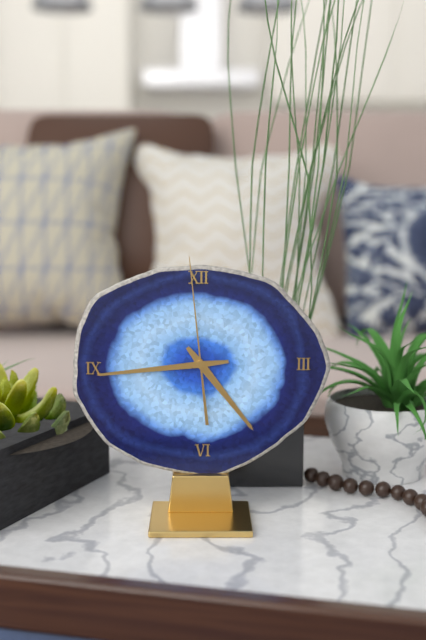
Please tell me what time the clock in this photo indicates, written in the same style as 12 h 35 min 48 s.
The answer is 4 h 44 min 59 s
